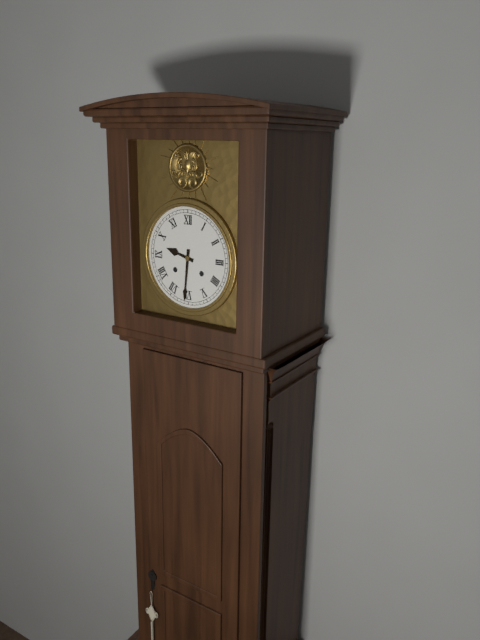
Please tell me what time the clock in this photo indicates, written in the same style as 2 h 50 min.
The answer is 9 h 31 min
